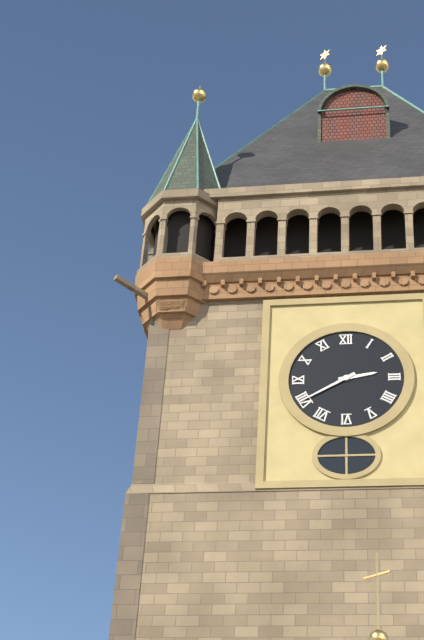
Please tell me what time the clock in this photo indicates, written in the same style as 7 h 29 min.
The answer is 2 h 40 min
